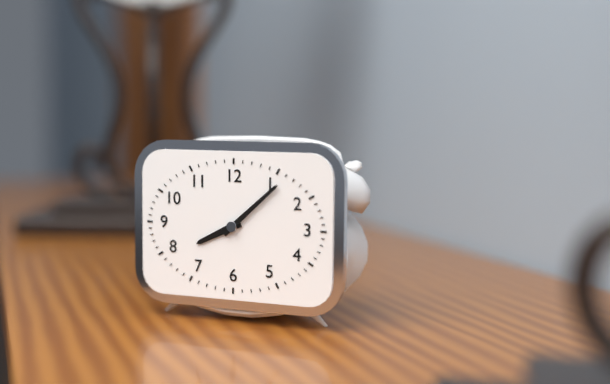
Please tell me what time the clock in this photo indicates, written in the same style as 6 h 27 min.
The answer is 8 h 08 min
